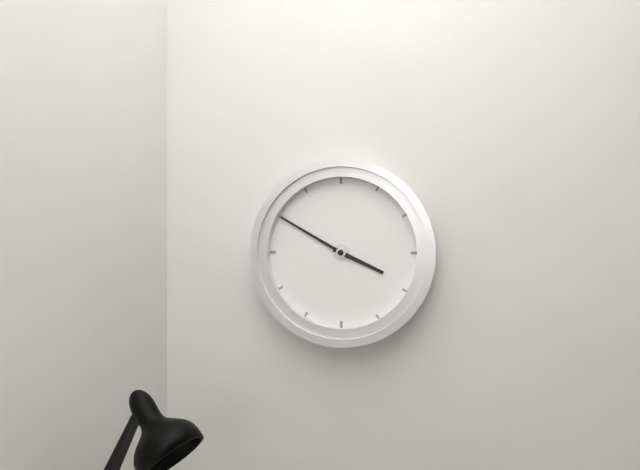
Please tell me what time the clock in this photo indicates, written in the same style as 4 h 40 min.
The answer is 3 h 50 min
